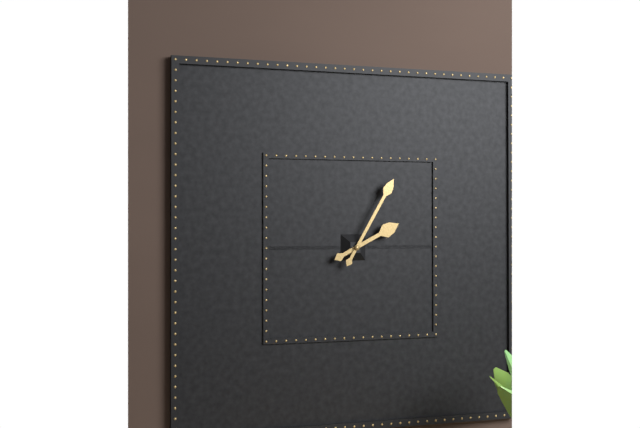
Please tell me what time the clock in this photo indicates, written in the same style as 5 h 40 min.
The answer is 2 h 05 min
